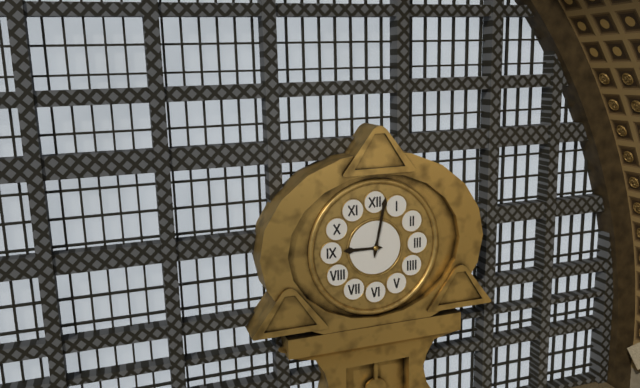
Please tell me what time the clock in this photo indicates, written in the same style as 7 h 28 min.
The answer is 9 h 02 min
